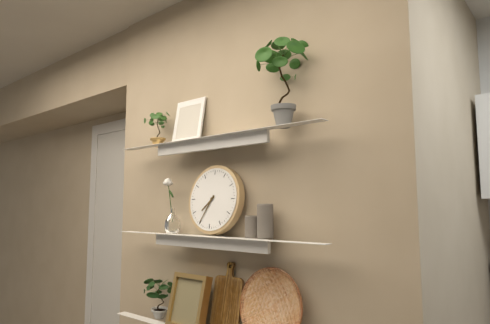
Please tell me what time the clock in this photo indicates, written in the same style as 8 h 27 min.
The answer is 7 h 35 min
